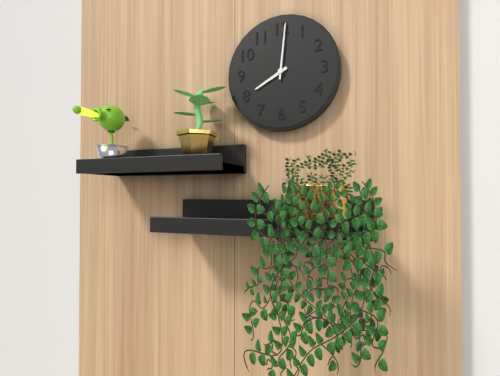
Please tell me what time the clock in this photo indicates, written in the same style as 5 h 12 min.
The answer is 8 h 01 min
